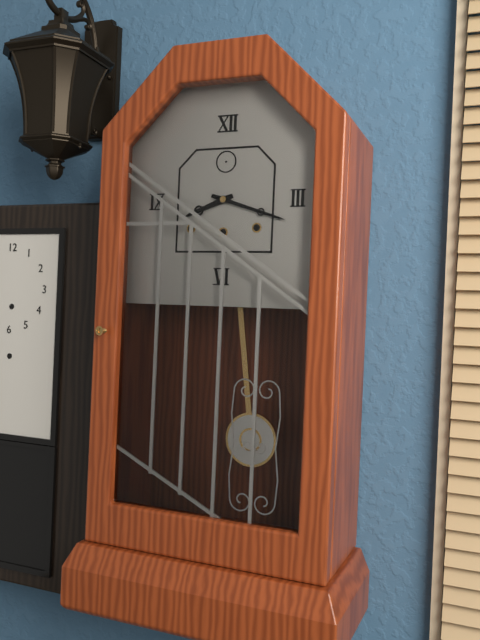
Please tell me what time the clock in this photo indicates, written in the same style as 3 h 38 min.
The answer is 8 h 18 min
